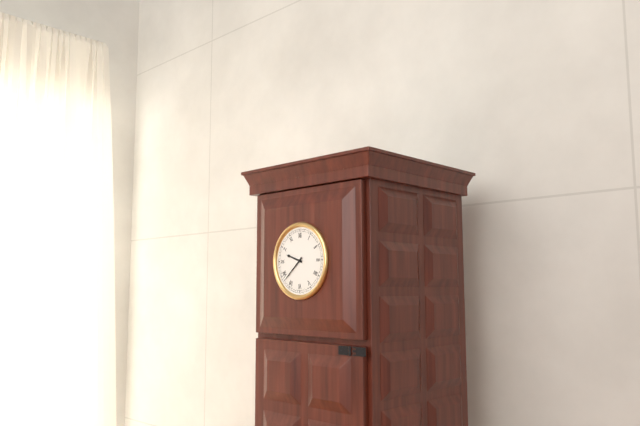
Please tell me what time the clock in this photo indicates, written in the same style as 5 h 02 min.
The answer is 9 h 38 min
